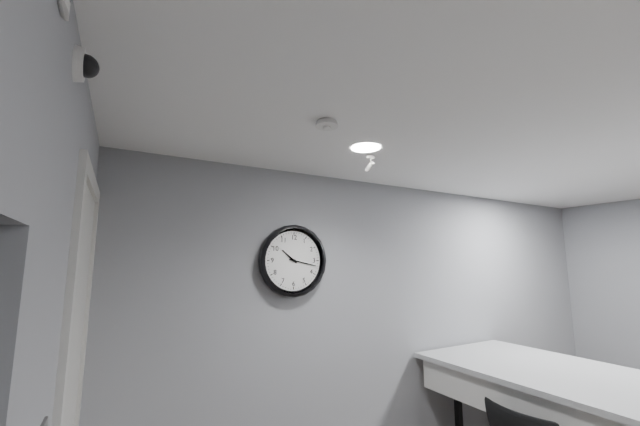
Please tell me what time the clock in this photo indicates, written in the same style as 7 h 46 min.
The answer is 10 h 17 min
